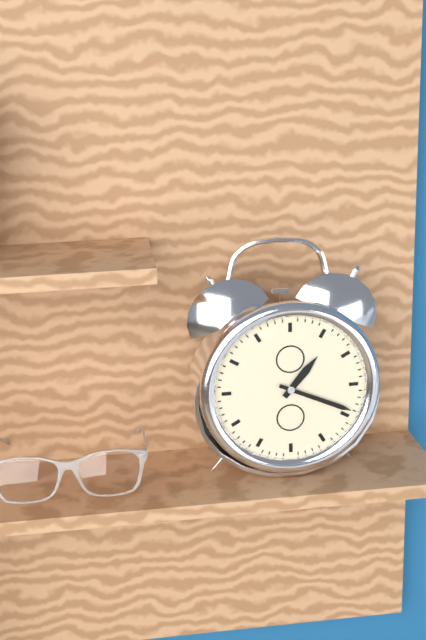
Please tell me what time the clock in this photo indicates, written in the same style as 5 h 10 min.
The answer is 1 h 19 min
